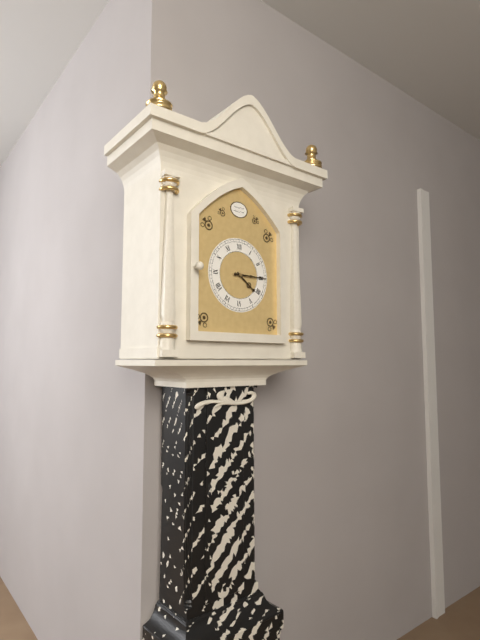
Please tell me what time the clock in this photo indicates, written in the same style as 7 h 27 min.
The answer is 4 h 15 min
